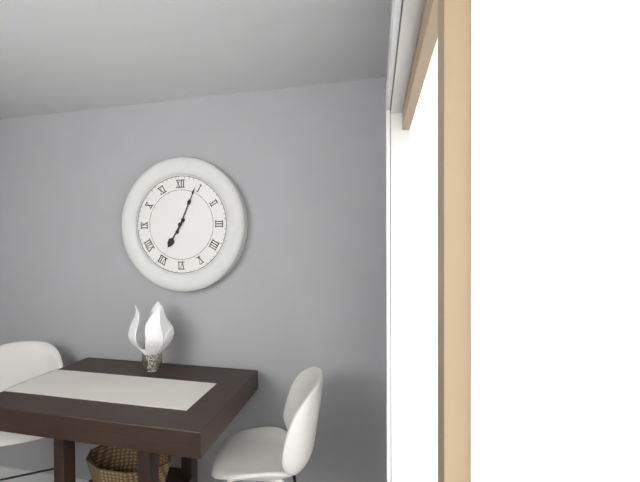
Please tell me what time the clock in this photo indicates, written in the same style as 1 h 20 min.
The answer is 7 h 04 min
